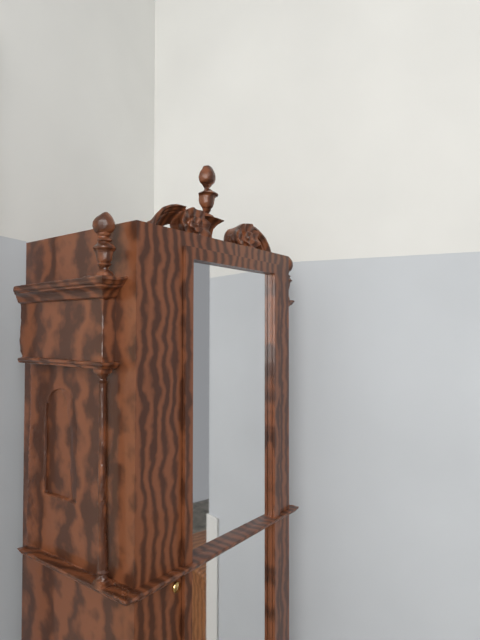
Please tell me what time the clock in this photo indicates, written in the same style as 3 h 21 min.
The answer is 6 h 41 min
